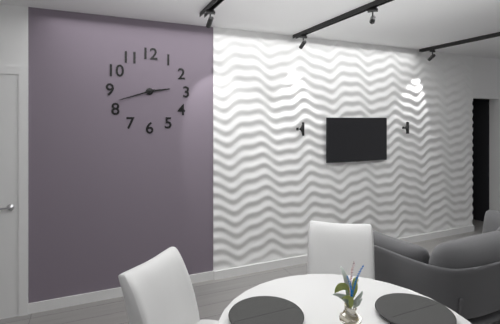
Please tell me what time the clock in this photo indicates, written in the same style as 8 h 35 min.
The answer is 2 h 42 min
